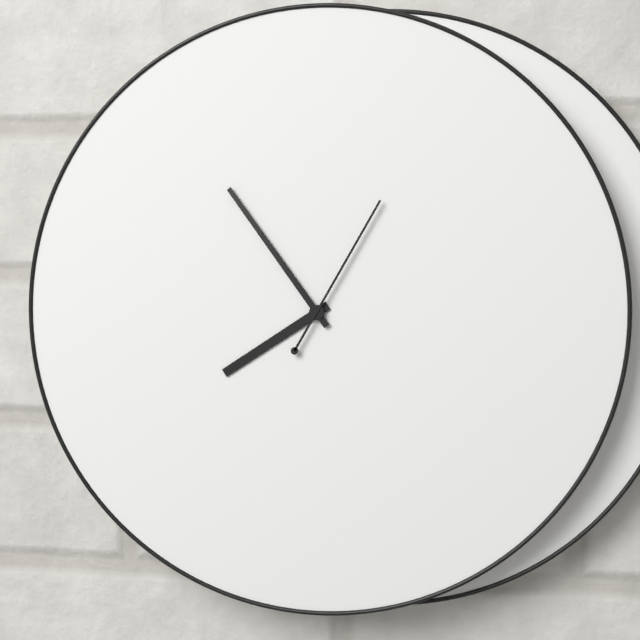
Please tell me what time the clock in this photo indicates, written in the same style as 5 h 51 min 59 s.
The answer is 7 h 54 min 05 s
